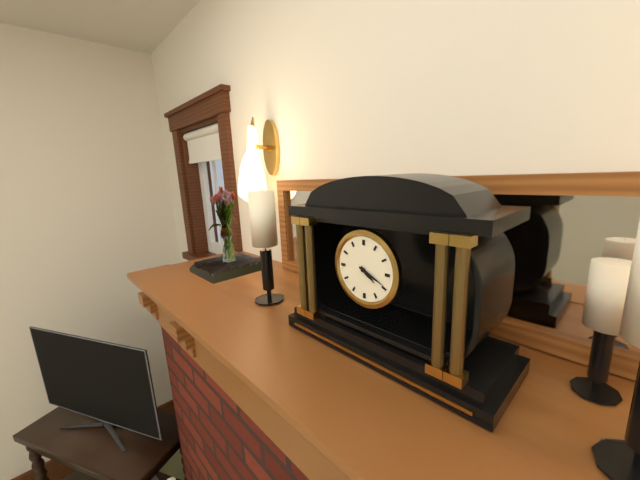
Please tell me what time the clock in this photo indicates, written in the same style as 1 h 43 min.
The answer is 4 h 19 min
